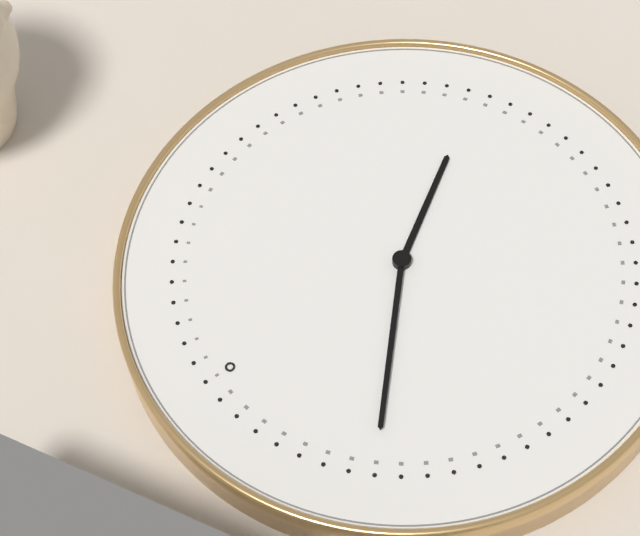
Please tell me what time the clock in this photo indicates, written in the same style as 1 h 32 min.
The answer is 4 h 52 min
